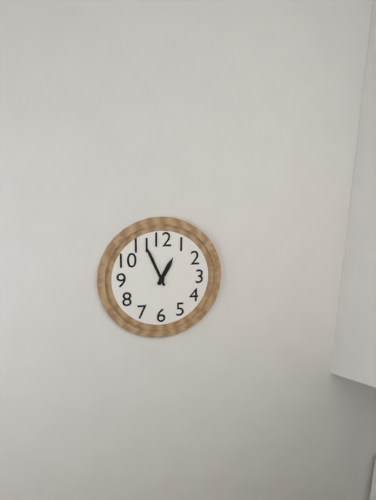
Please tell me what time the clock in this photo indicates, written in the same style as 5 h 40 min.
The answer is 12 h 56 min
